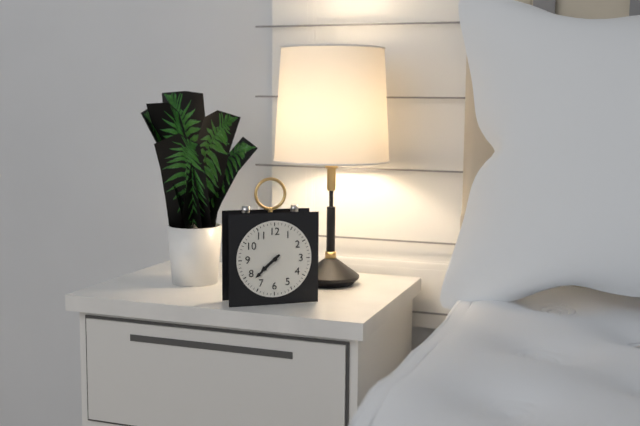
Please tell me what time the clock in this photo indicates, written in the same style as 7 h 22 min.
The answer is 7 h 38 min
